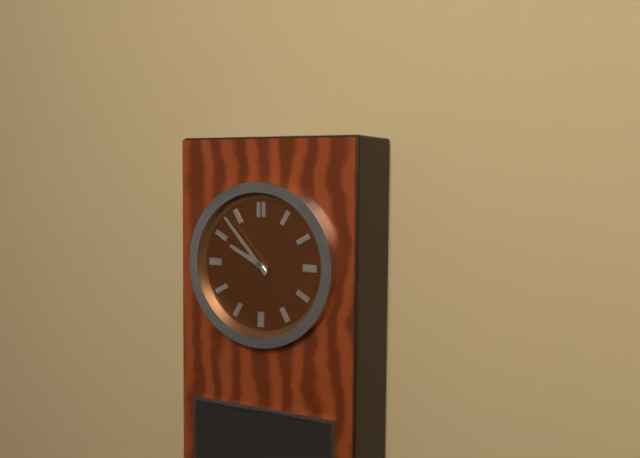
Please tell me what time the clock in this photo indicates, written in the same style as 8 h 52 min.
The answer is 9 h 53 min
